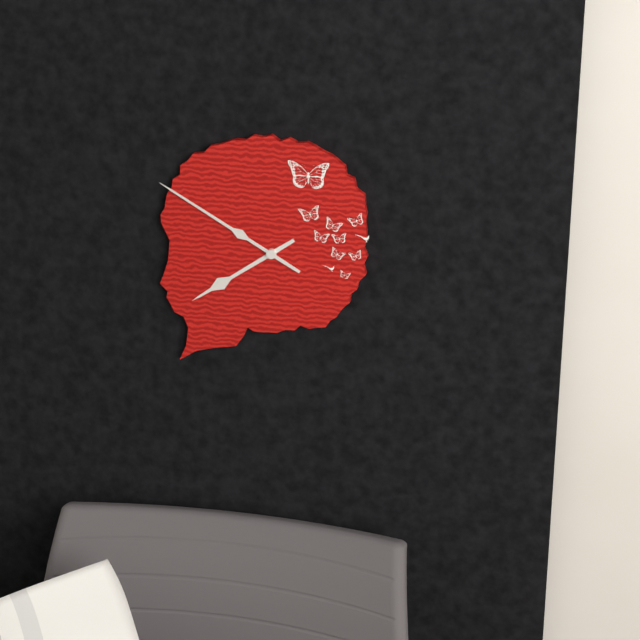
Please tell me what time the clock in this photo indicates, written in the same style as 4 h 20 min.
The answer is 7 h 50 min
